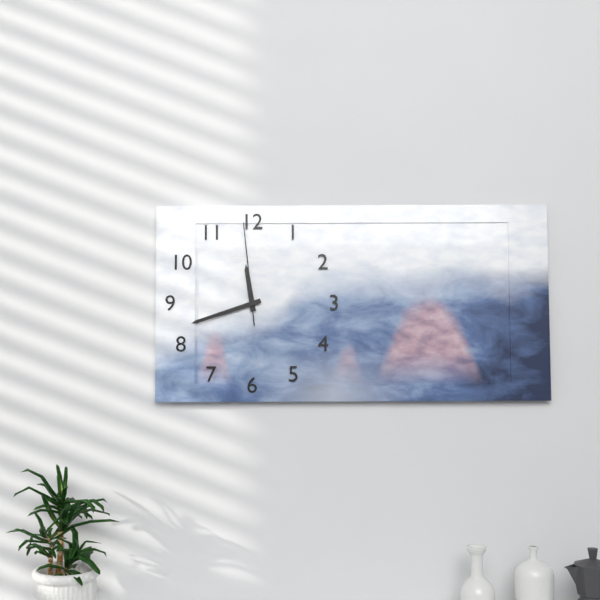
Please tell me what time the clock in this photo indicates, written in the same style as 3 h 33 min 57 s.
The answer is 11 h 42 min 59 s
